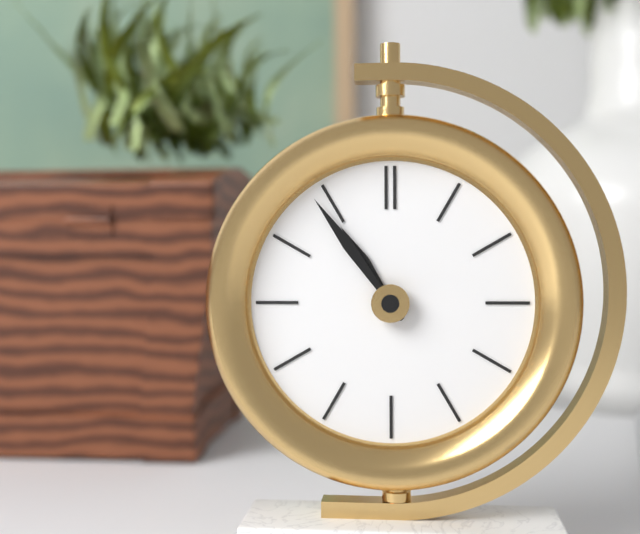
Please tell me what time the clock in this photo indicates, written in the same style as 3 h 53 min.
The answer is 10 h 54 min
